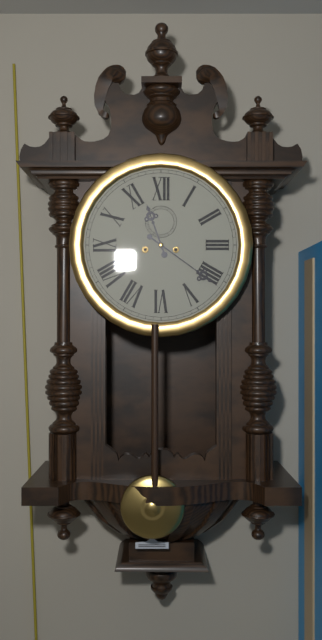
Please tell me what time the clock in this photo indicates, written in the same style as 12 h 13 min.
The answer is 11 h 21 min
